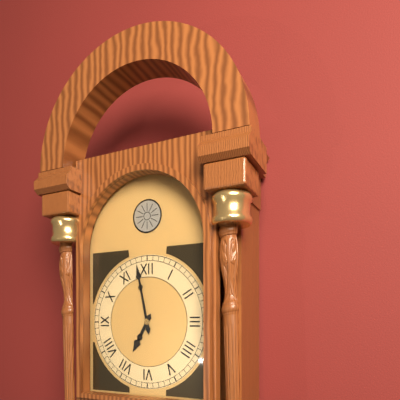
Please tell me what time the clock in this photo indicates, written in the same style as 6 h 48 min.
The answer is 6 h 58 min
